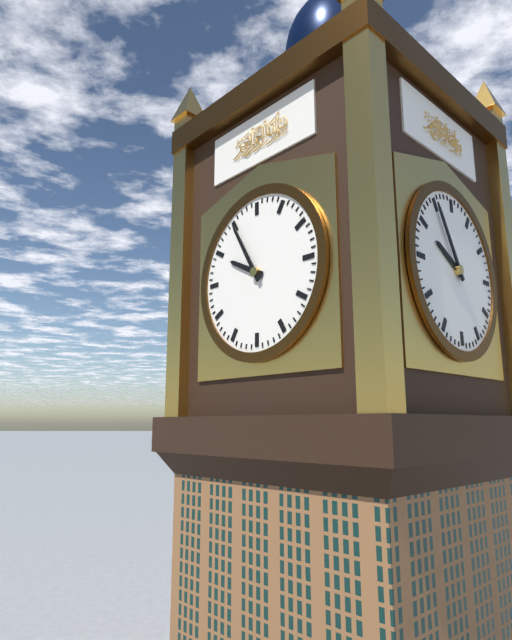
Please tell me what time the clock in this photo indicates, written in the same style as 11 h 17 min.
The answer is 9 h 55 min
